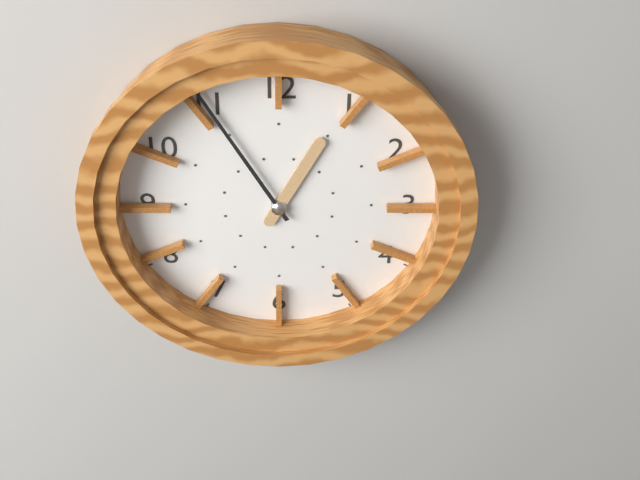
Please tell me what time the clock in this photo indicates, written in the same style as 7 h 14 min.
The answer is 12 h 55 min
